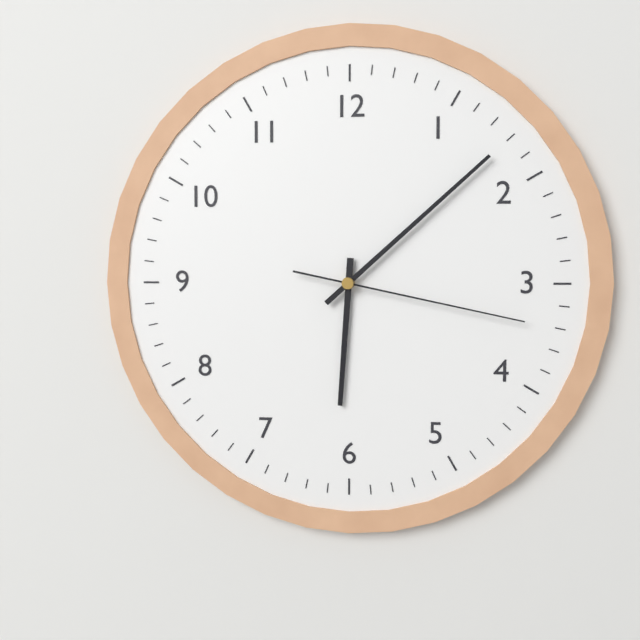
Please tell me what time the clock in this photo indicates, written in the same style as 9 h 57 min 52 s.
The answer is 6 h 08 min 17 s
